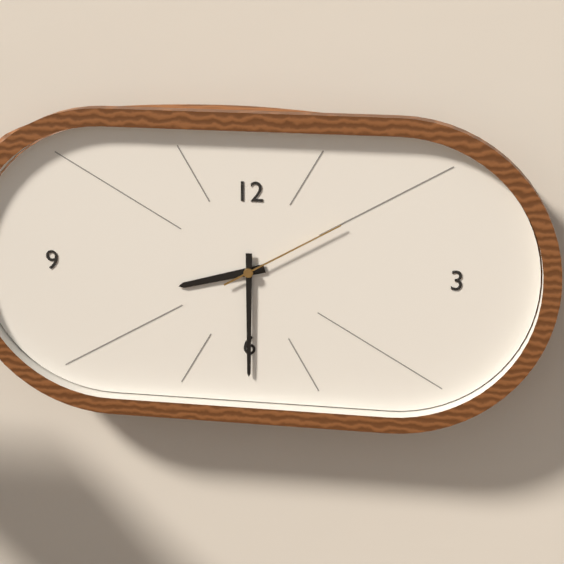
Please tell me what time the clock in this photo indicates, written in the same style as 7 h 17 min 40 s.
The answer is 8 h 30 min 10 s
